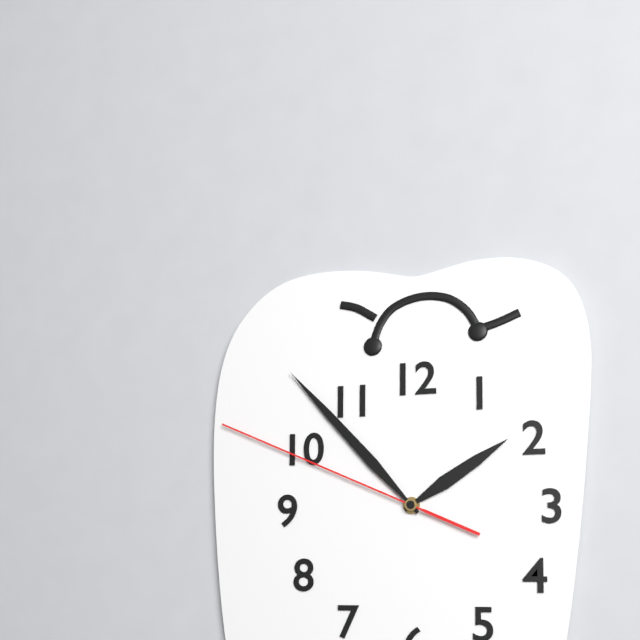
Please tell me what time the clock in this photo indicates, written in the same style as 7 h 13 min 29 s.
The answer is 1 h 53 min 49 s
